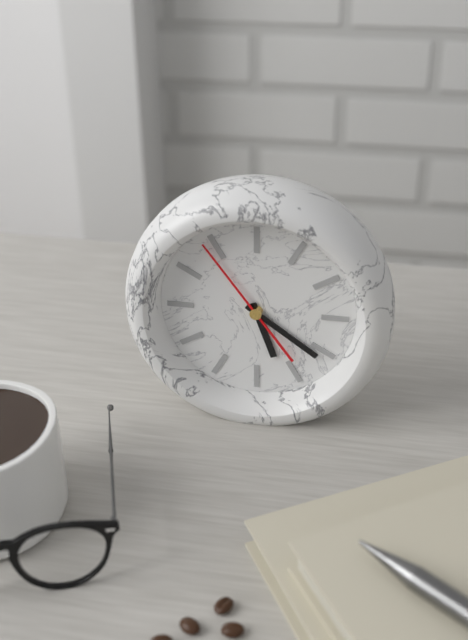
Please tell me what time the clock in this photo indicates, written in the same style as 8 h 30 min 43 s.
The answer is 5 h 21 min 54 s
